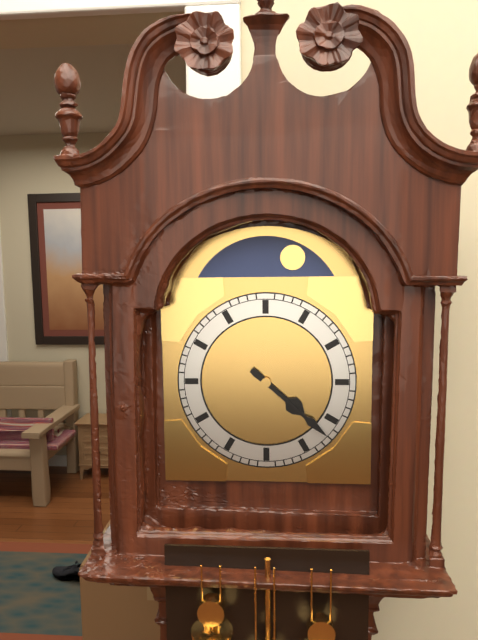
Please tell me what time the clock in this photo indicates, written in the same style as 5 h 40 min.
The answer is 4 h 22 min
